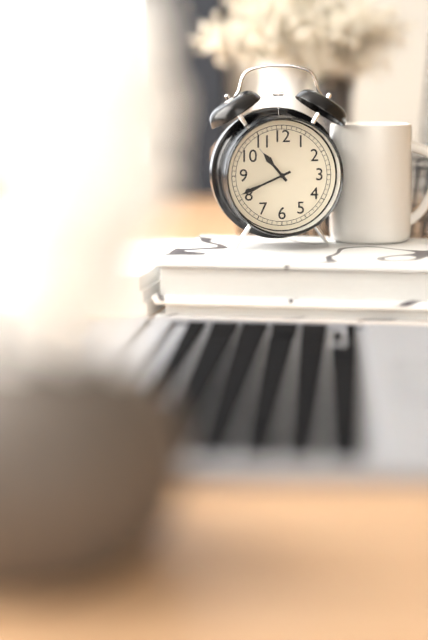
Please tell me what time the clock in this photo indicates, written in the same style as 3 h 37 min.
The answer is 10 h 41 min
